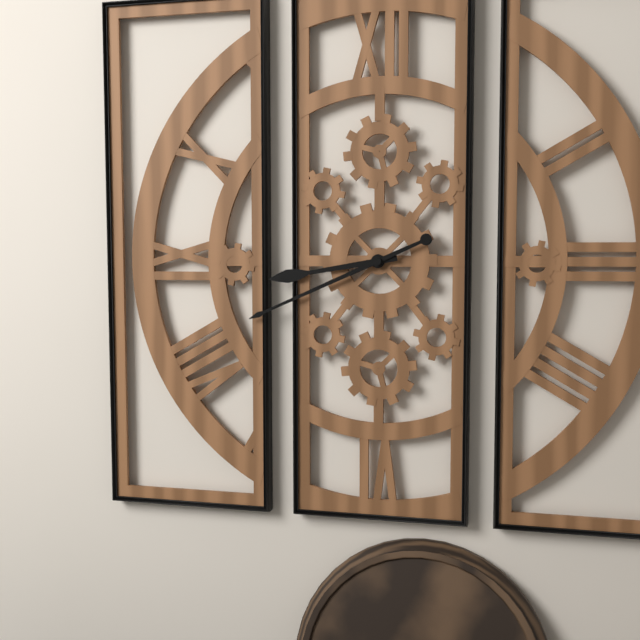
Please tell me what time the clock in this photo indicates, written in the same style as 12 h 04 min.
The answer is 8 h 41 min
